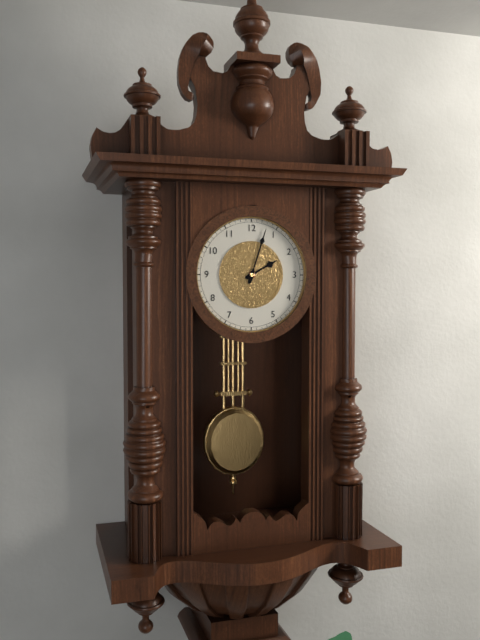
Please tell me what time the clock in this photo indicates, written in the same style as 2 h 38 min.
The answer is 2 h 03 min
